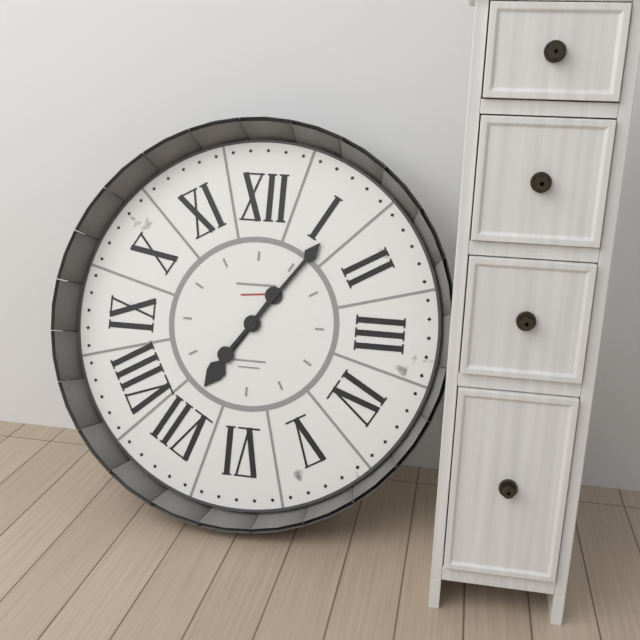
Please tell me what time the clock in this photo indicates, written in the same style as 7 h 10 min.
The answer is 7 h 06 min
